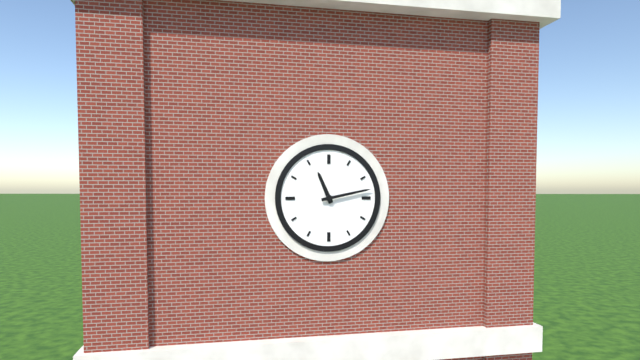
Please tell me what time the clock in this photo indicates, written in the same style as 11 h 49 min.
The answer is 11 h 13 min
